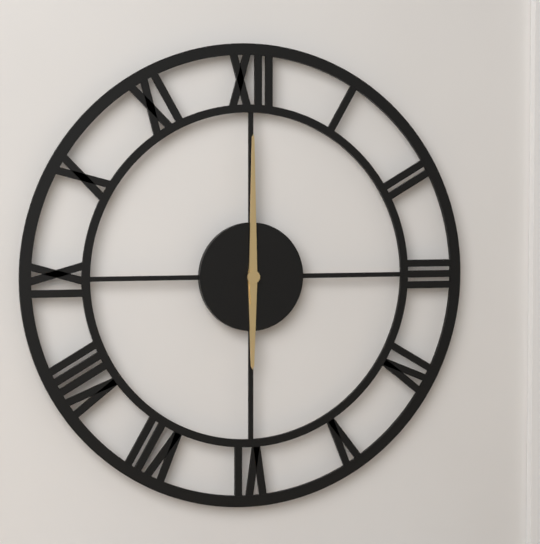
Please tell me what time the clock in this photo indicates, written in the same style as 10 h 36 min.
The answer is 6 h 00 min
